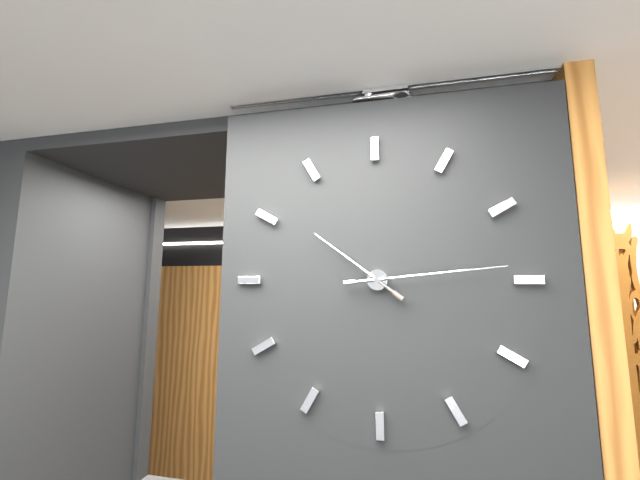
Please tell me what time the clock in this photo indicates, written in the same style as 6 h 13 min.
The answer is 10 h 14 min
